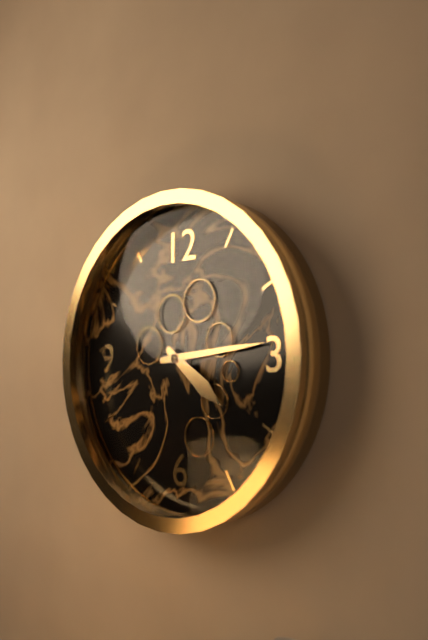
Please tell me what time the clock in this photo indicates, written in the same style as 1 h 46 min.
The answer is 4 h 14 min
